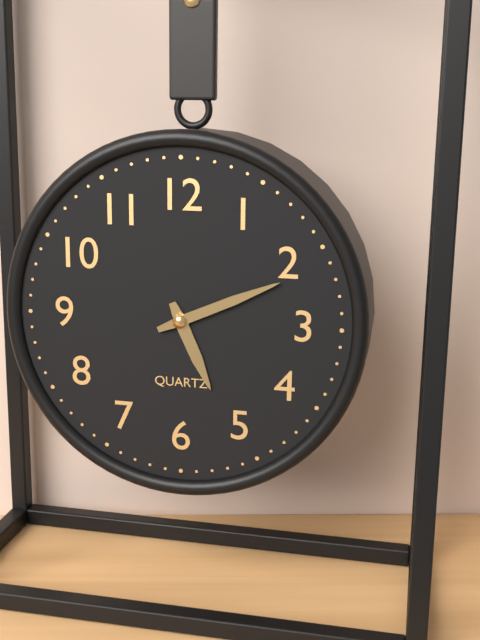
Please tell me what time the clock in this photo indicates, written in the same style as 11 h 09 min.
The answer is 5 h 11 min
